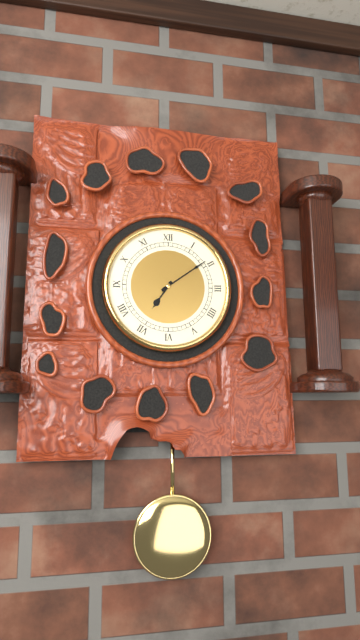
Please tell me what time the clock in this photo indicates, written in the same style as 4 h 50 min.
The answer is 7 h 09 min
